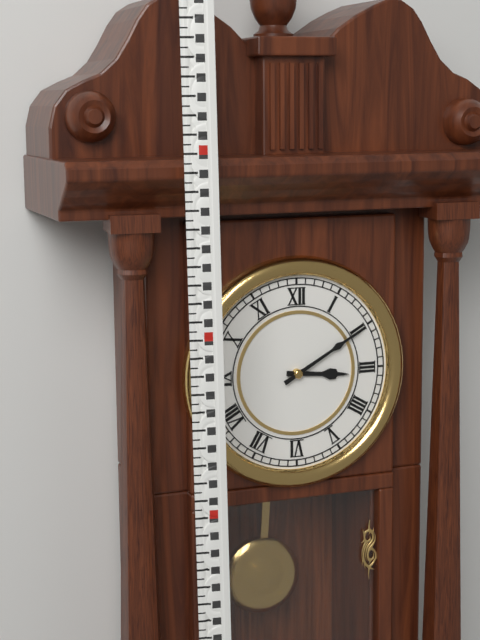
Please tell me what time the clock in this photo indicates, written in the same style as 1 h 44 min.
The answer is 3 h 10 min
